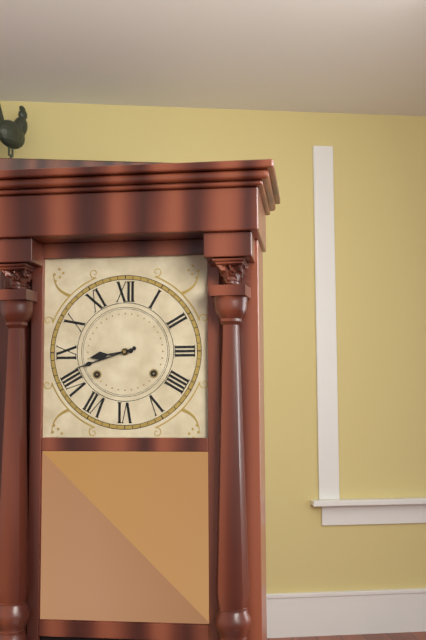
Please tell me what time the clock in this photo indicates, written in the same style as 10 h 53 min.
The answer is 8 h 42 min
